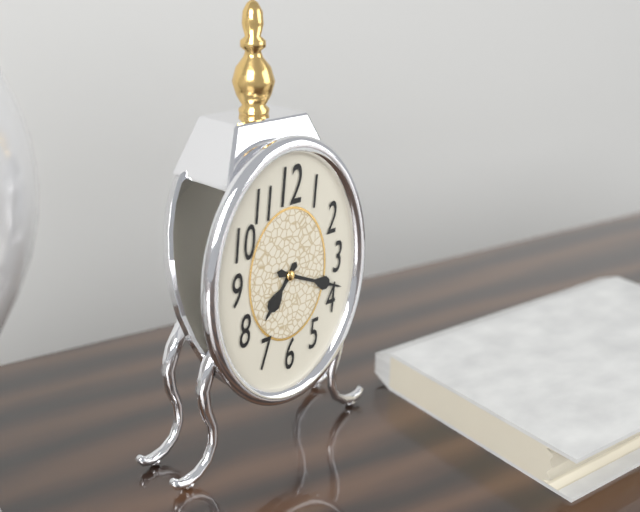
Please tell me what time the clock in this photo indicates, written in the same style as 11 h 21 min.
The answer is 7 h 19 min
